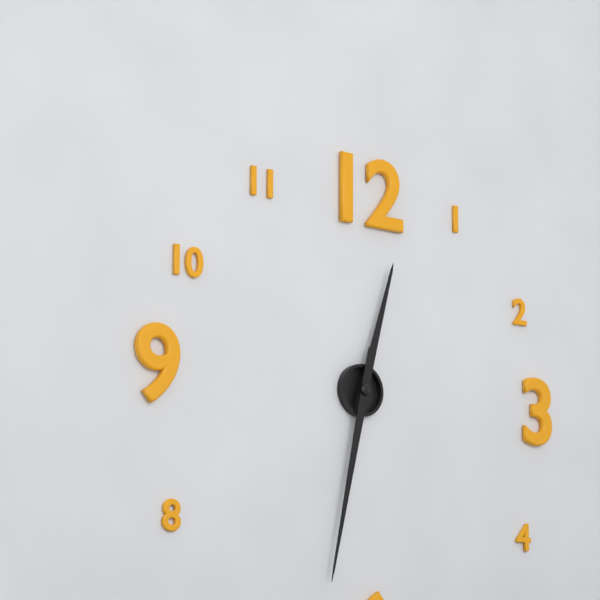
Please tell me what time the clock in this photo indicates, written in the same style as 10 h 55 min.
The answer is 12 h 32 min
